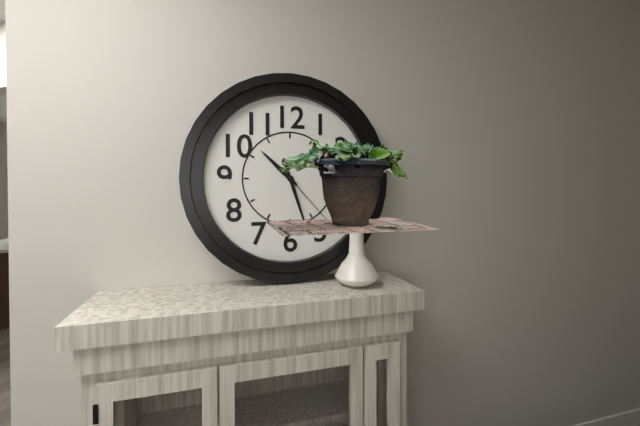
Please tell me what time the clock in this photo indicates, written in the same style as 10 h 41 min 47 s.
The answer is 10 h 27 min 23 s
